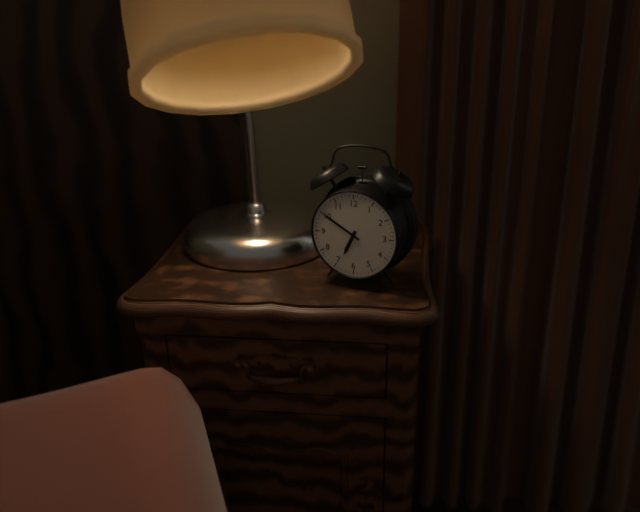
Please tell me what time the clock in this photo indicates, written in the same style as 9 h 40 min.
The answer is 6 h 50 min
